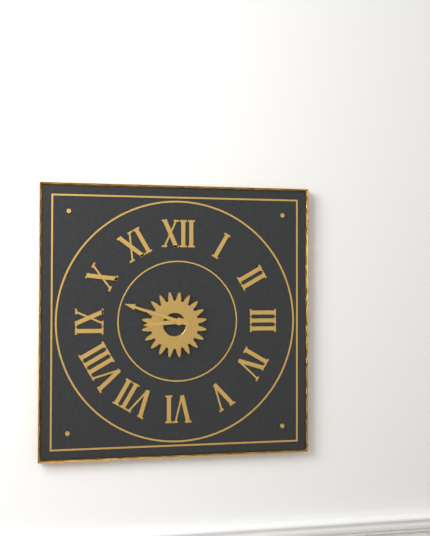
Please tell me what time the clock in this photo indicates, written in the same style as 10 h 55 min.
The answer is 8 h 48 min
